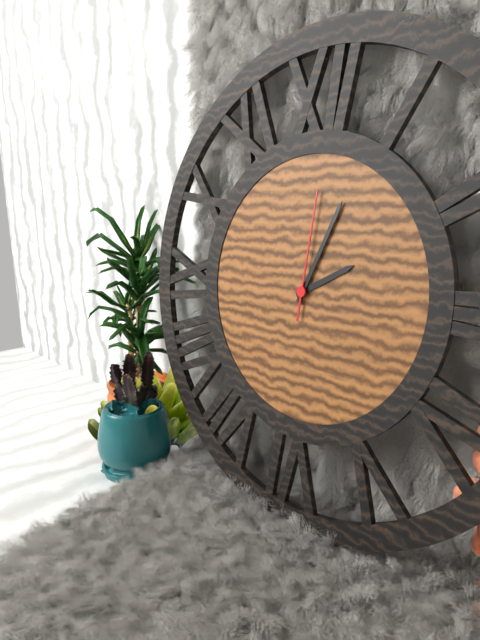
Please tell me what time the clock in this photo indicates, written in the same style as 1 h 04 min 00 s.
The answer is 2 h 04 min 01 s
